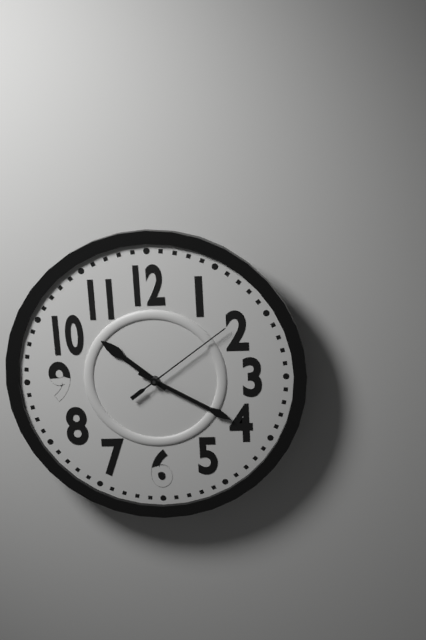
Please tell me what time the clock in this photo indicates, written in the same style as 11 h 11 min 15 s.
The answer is 10 h 20 min 09 s
